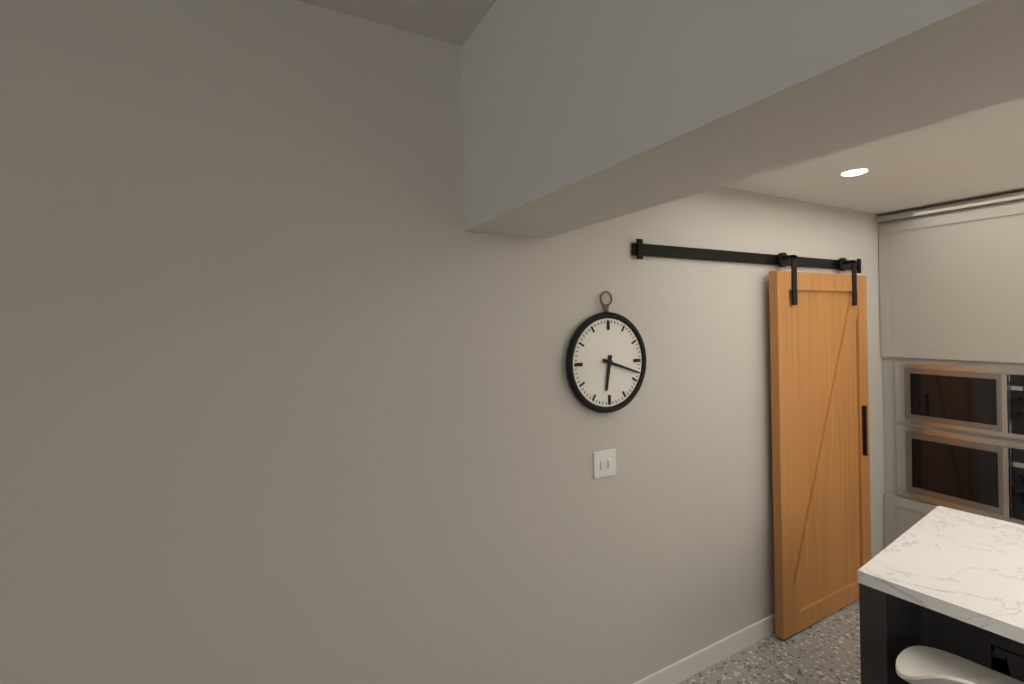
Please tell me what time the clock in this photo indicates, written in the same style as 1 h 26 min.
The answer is 6 h 18 min
